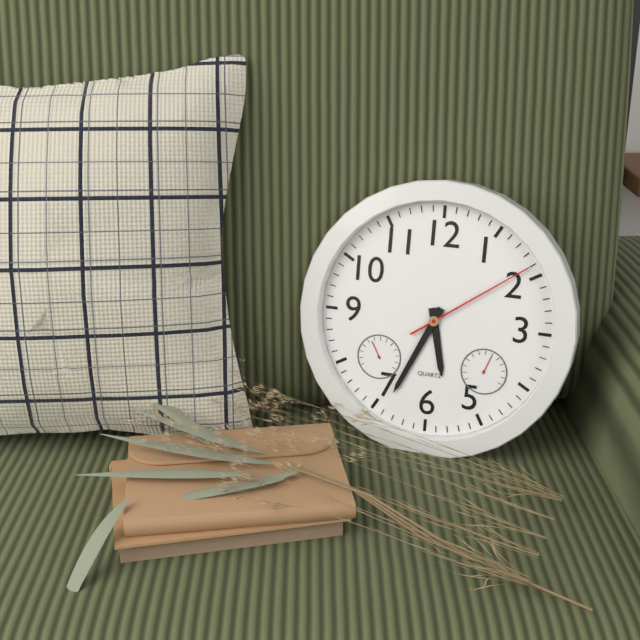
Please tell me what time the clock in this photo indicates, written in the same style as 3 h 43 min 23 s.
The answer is 5 h 34 min 09 s
